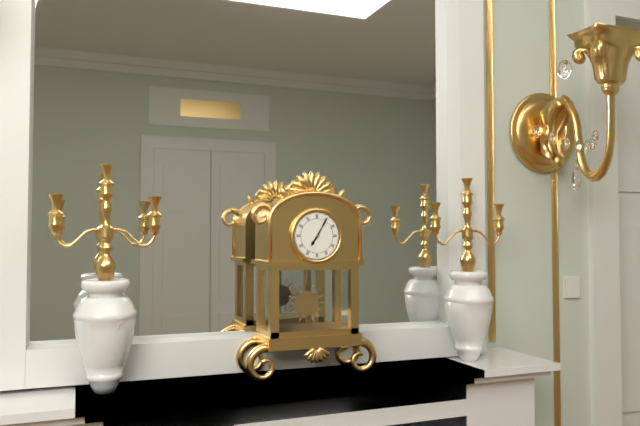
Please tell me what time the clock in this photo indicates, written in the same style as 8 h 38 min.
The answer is 7 h 05 min
